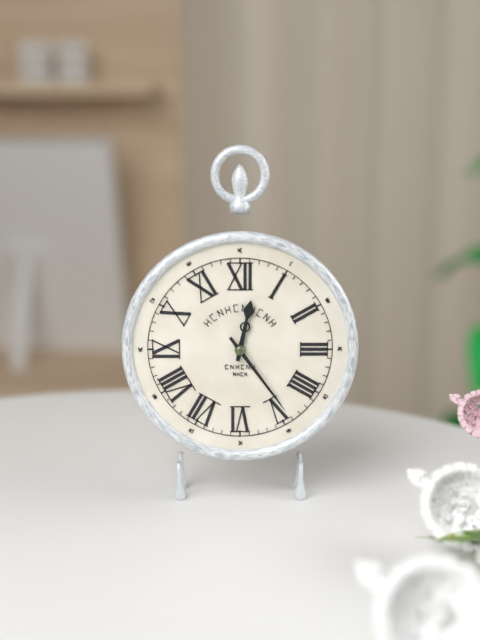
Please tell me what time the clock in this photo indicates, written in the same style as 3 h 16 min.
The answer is 12 h 24 min
